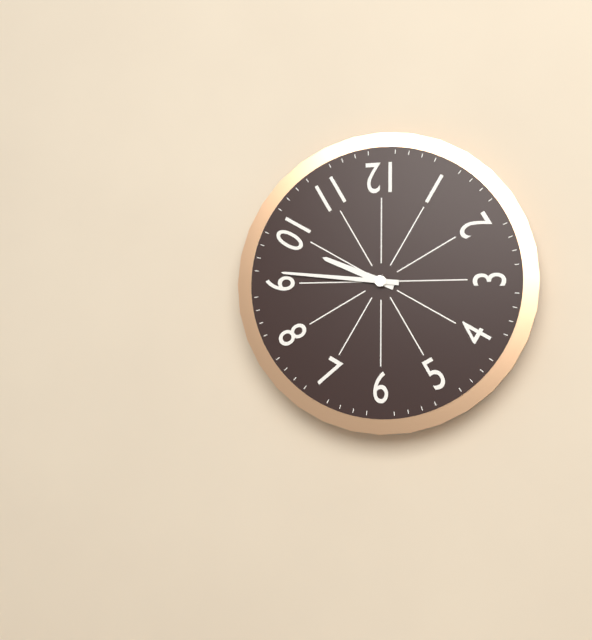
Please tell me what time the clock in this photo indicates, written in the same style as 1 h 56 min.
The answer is 9 h 46 min
